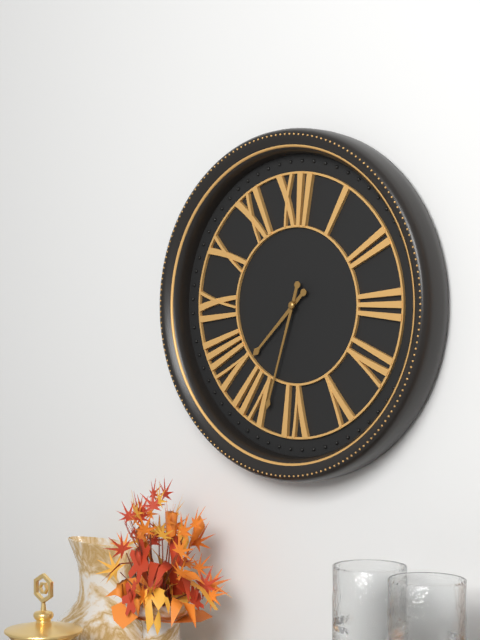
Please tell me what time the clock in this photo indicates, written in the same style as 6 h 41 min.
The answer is 7 h 33 min
